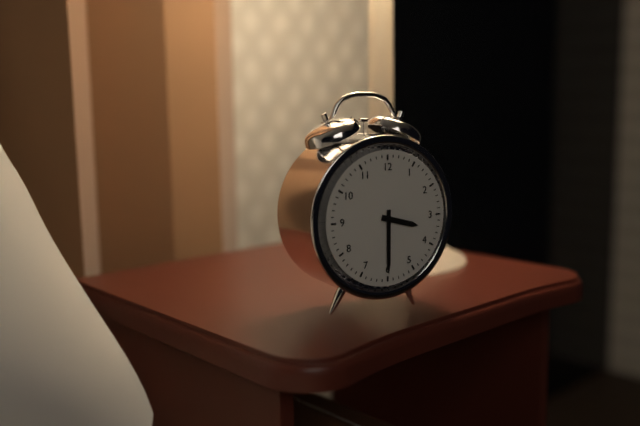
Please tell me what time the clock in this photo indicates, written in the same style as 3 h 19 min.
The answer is 3 h 30 min
